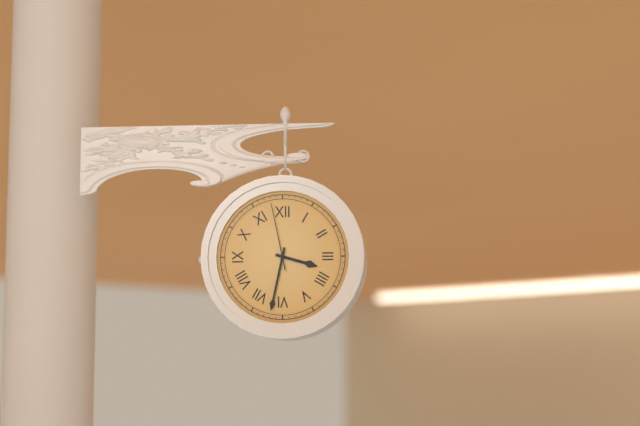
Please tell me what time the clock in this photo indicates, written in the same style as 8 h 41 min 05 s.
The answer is 3 h 32 min 58 s
